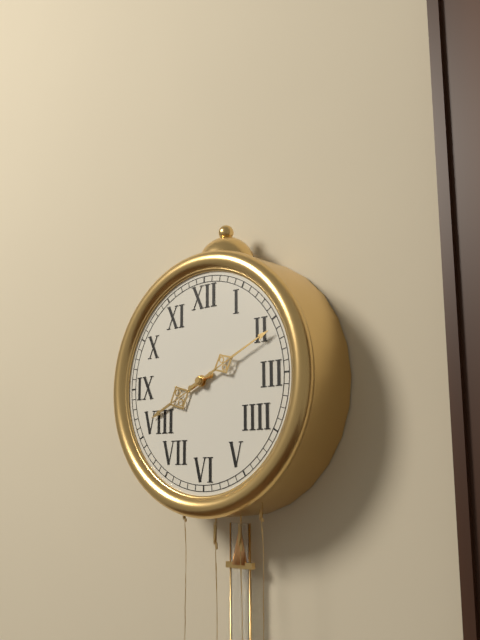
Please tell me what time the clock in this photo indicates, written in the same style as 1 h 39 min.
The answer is 8 h 11 min
